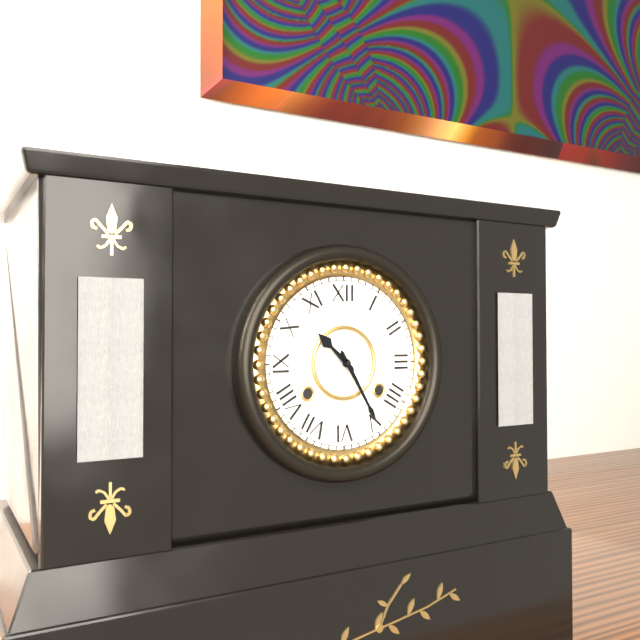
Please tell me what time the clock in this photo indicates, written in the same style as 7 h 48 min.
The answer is 10 h 25 min
